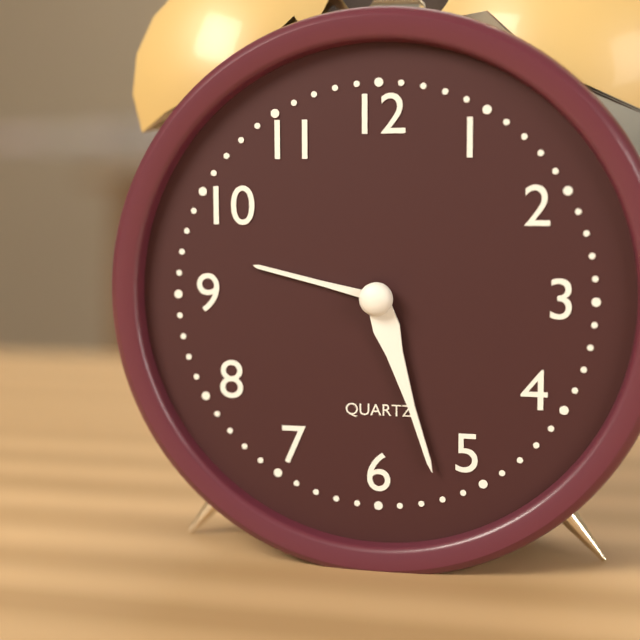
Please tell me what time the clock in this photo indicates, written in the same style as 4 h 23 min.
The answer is 9 h 27 min
